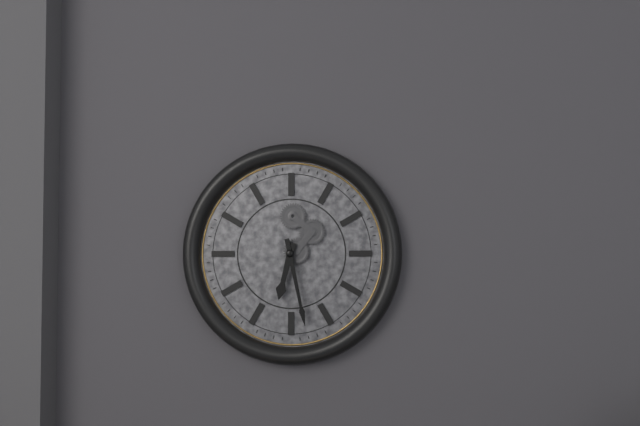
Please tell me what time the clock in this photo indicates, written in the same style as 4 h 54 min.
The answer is 6 h 28 min
